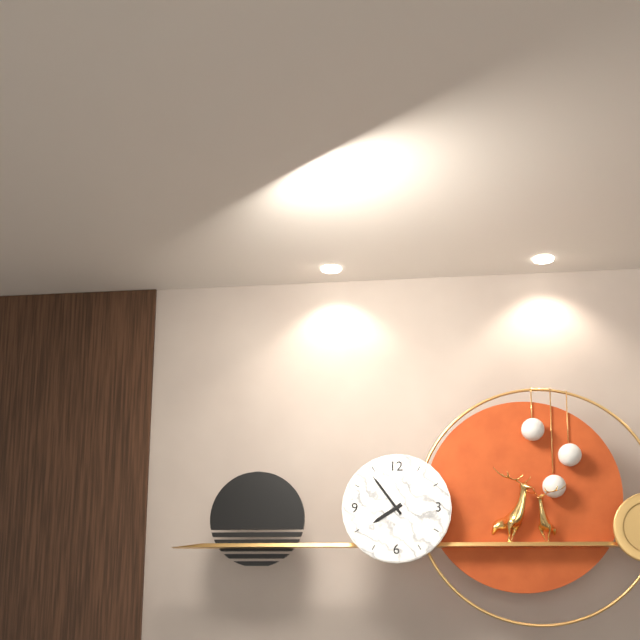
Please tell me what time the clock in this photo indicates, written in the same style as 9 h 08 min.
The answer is 7 h 54 min
